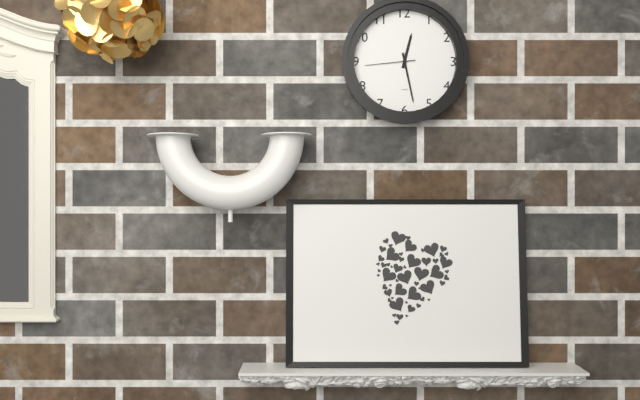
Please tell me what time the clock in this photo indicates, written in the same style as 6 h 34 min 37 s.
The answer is 12 h 28 min 44 s
